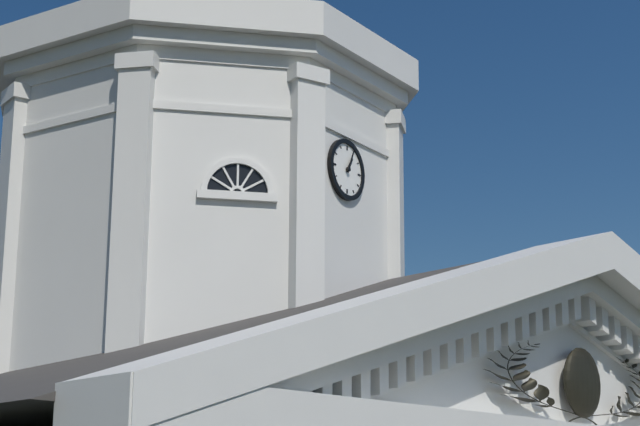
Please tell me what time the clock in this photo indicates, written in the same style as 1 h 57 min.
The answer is 1 h 04 min
